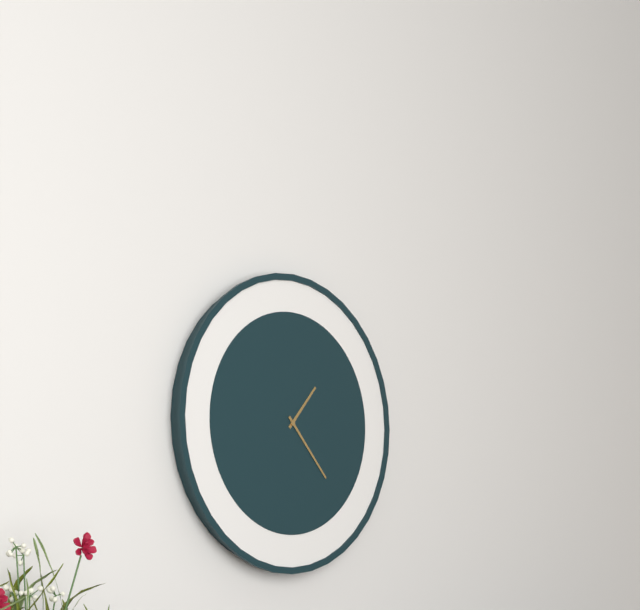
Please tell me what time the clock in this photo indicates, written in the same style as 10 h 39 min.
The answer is 1 h 23 min
